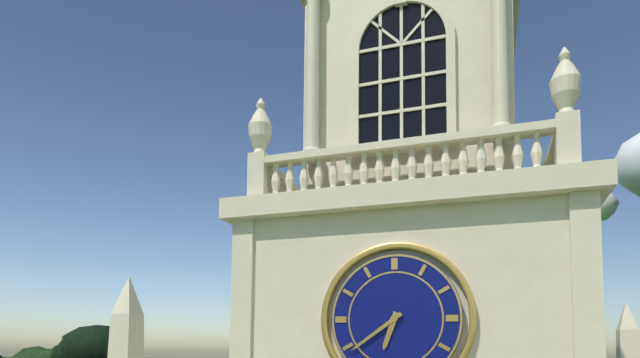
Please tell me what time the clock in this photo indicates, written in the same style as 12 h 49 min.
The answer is 6 h 39 min
